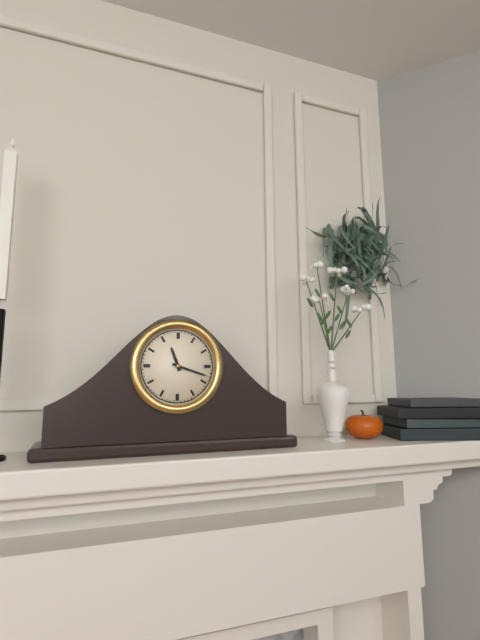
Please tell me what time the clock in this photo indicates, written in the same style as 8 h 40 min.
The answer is 11 h 18 min
